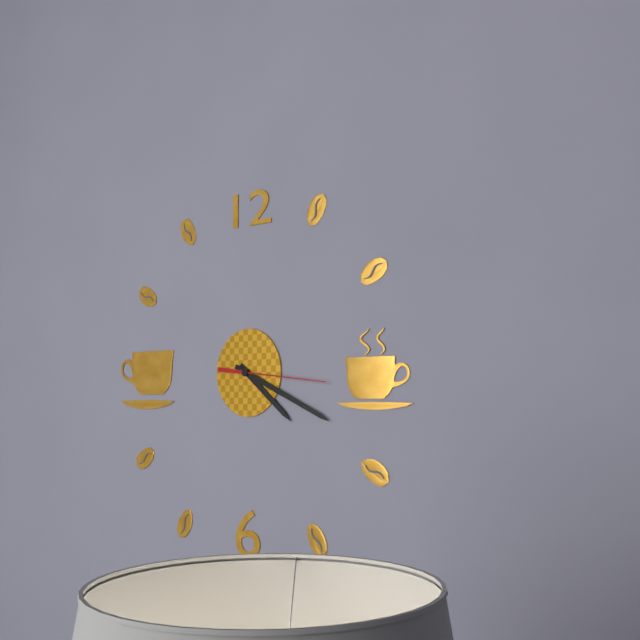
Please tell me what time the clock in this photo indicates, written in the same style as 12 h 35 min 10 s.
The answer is 4 h 19 min 16 s
